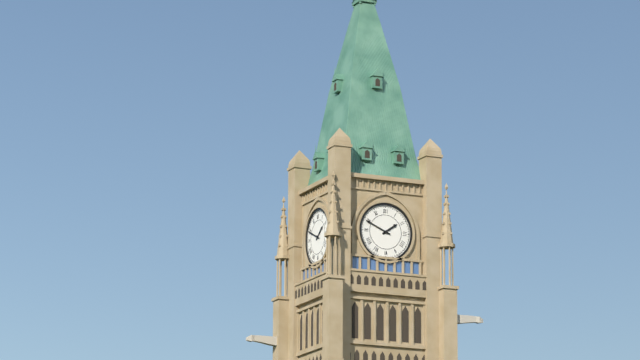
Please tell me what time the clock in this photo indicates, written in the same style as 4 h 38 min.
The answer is 1 h 49 min
